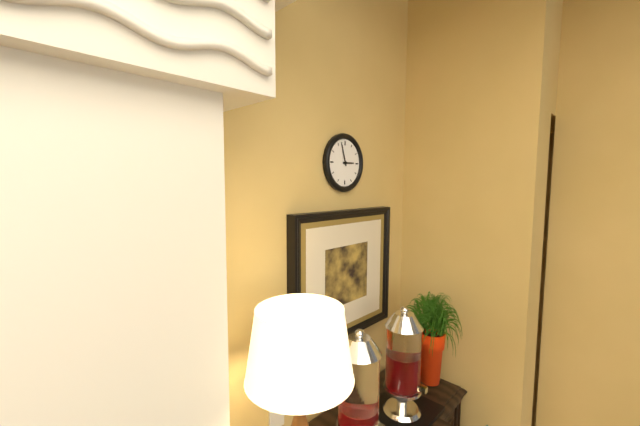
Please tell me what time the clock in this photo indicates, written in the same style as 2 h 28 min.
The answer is 2 h 57 min
